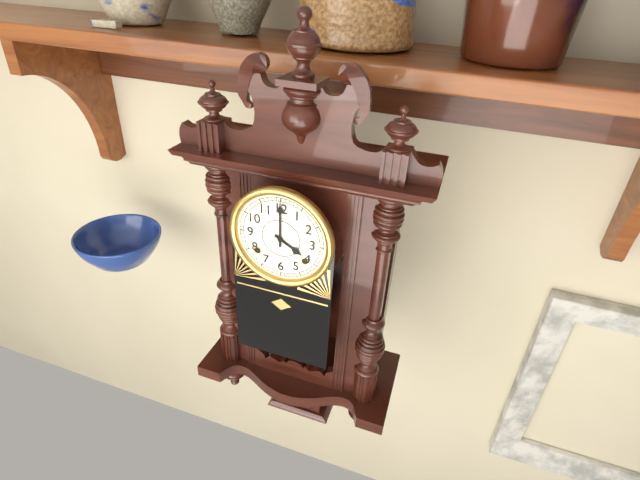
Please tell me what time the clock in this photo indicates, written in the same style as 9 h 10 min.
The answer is 4 h 00 min
